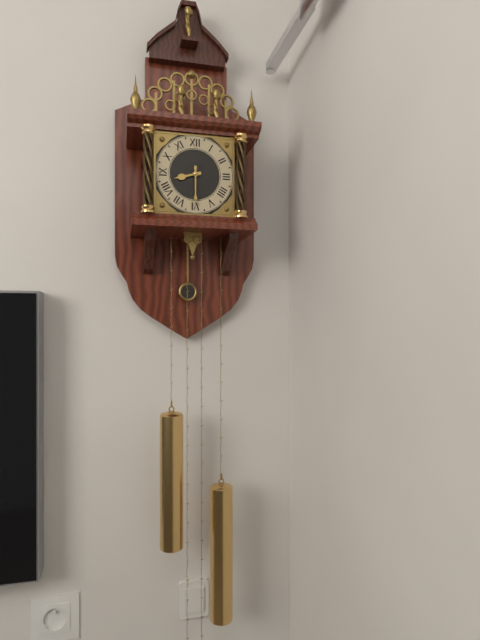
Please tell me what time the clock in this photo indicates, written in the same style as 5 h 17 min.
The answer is 8 h 30 min
